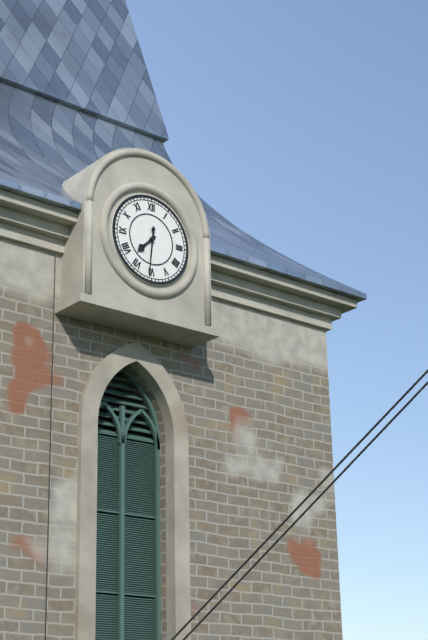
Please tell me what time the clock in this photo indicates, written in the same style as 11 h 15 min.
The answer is 7 h 31 min
